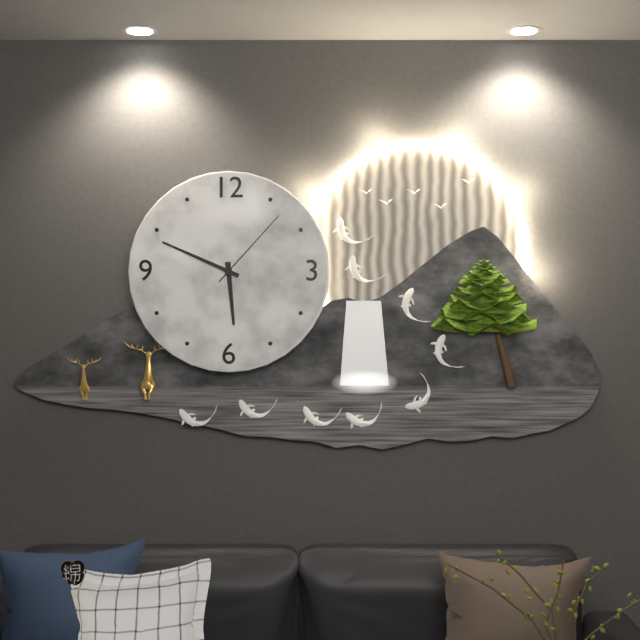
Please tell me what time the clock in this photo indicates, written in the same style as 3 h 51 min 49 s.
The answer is 5 h 49 min 07 s
